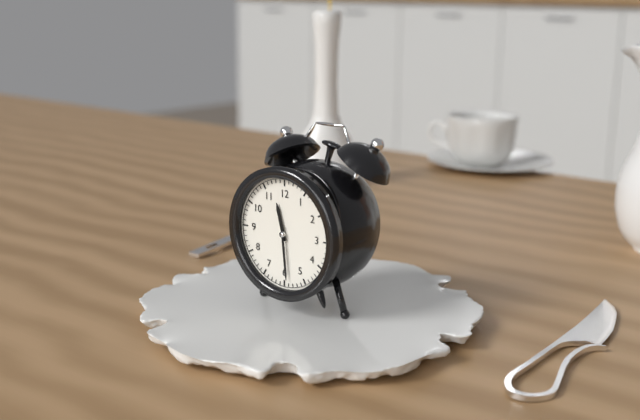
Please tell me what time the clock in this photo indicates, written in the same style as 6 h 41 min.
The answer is 11 h 29 min
